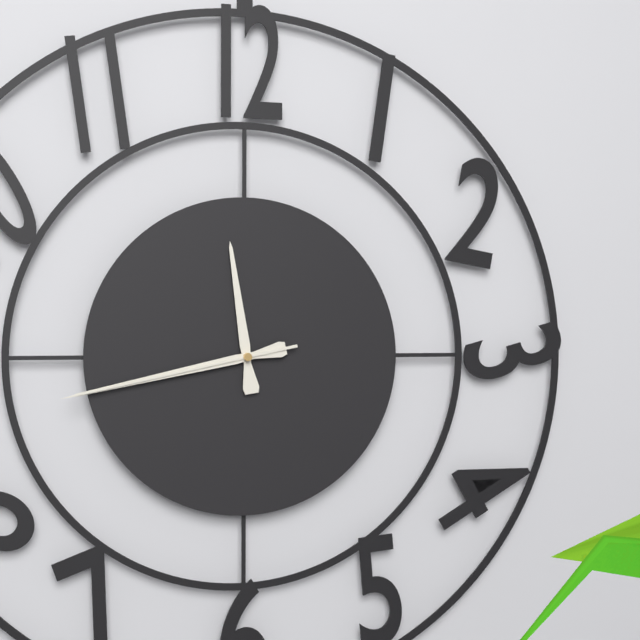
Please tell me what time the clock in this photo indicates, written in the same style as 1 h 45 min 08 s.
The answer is 11 h 43 min 43 s
